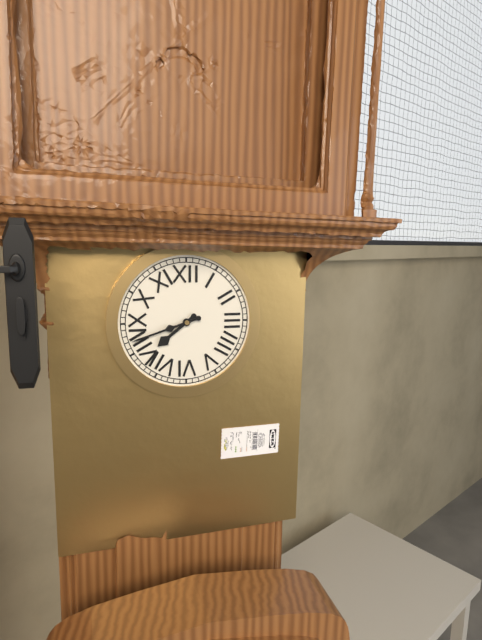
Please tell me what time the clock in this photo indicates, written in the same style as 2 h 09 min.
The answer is 7 h 42 min
